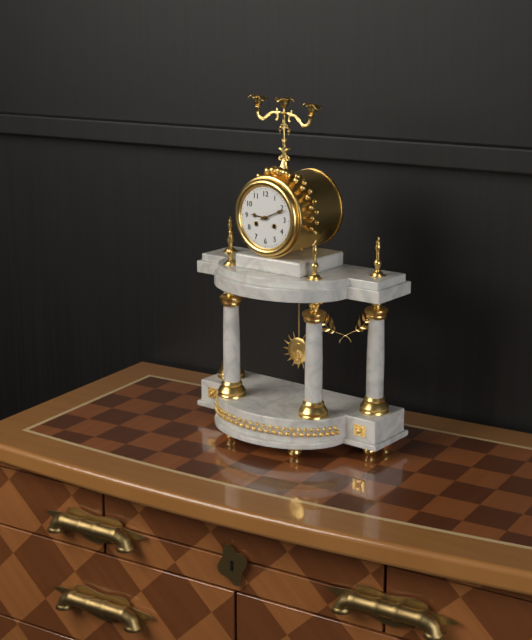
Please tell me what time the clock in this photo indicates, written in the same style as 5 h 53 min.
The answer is 9 h 11 min
